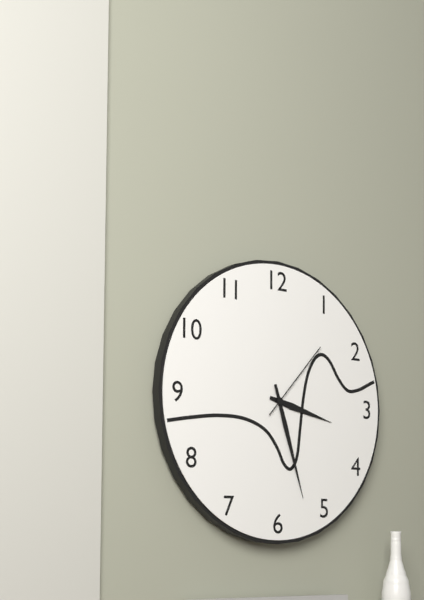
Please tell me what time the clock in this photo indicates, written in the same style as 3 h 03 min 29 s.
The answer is 3 h 27 min 07 s
